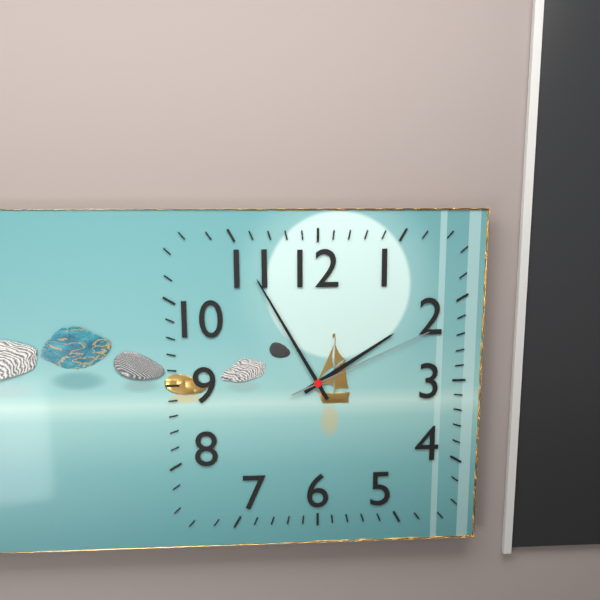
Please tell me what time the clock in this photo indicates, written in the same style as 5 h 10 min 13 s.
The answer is 1 h 55 min 11 s
